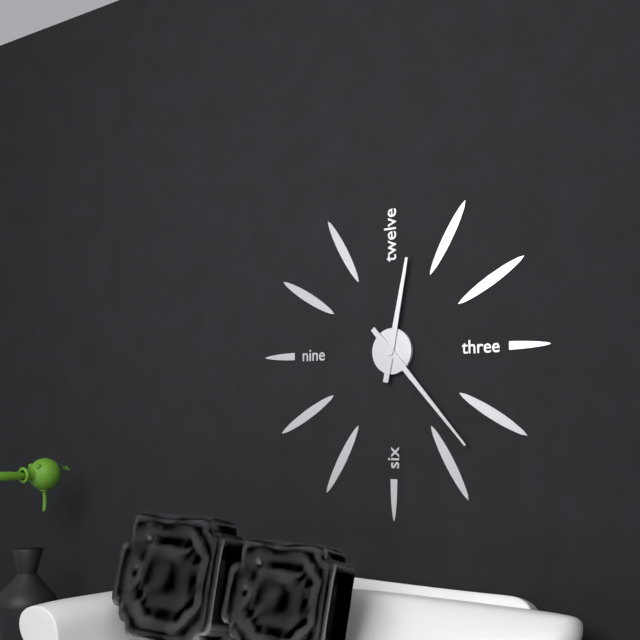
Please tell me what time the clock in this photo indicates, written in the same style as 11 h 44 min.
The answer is 12 h 23 min
